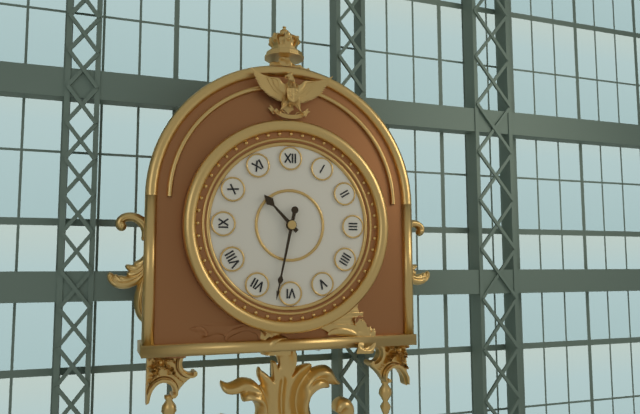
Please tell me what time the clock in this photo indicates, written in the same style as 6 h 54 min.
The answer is 10 h 32 min
